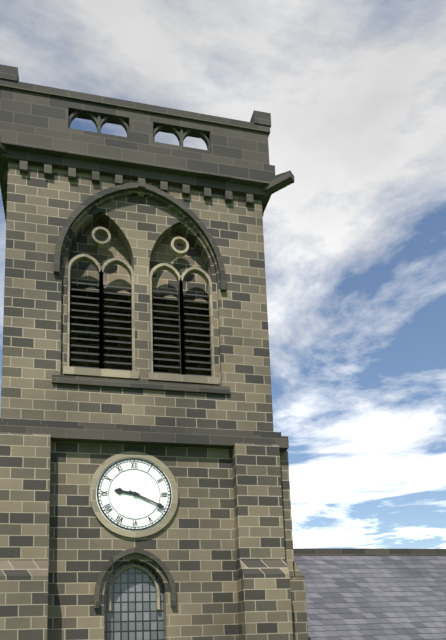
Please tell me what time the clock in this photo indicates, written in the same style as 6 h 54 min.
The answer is 9 h 19 min
